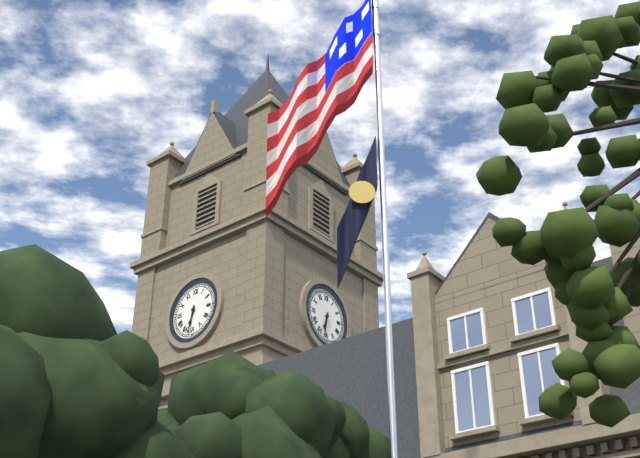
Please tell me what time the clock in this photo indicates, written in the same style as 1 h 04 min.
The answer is 6 h 32 min
